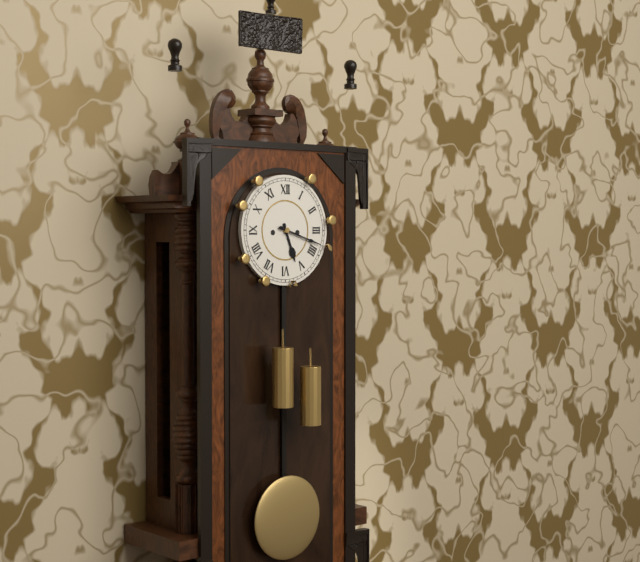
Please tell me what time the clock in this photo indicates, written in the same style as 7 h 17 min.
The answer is 5 h 18 min
